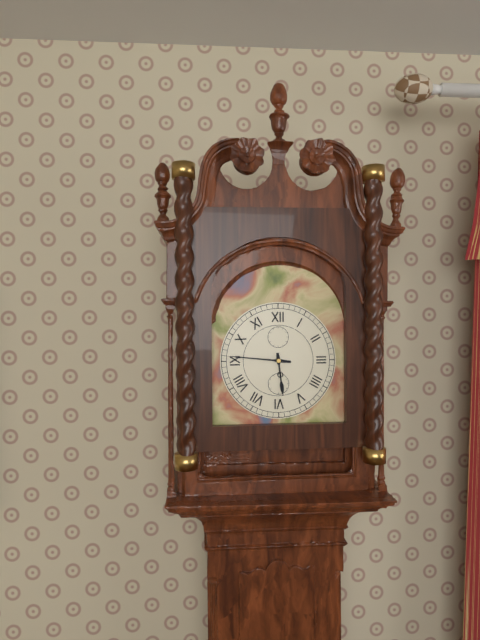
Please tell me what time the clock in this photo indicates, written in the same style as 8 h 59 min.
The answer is 5 h 46 min
